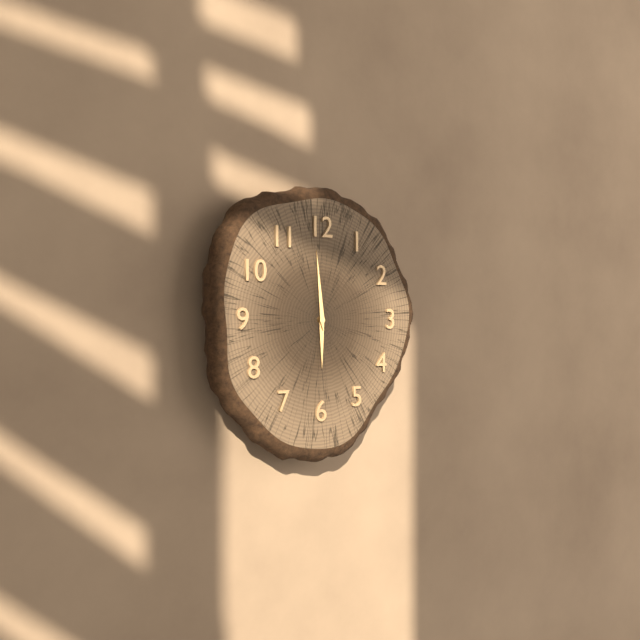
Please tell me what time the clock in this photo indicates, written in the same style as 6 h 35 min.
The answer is 5 h 59 min
